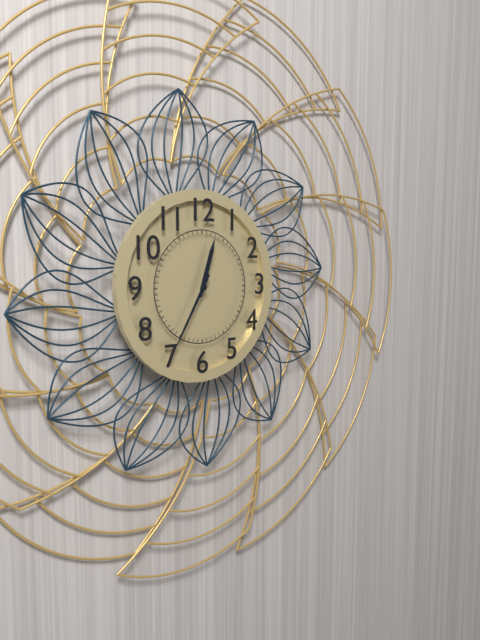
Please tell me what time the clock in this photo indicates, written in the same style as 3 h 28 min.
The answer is 12 h 35 min
